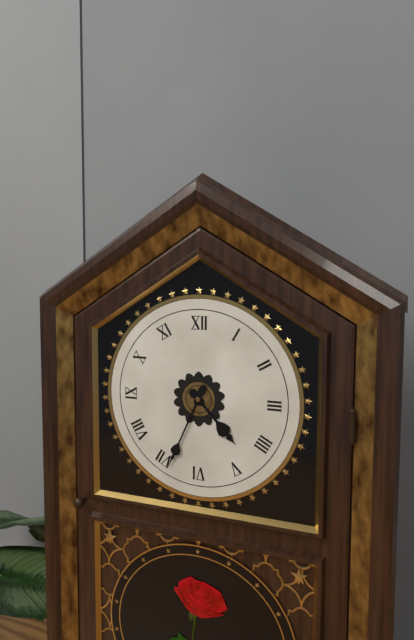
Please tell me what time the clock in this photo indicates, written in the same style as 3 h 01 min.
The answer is 4 h 34 min
